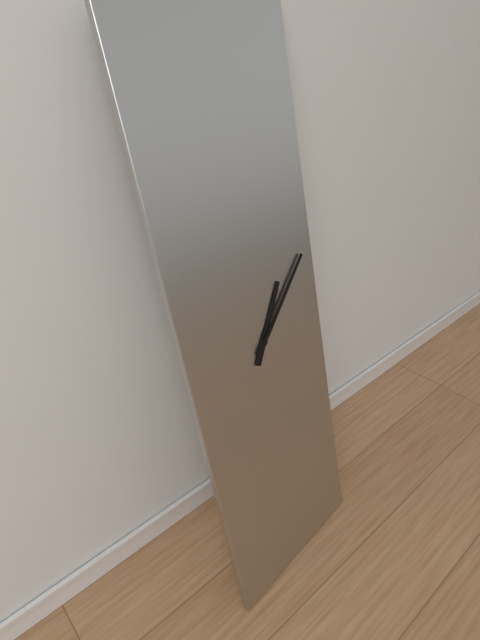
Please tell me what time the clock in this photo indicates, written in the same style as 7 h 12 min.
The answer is 1 h 08 min
